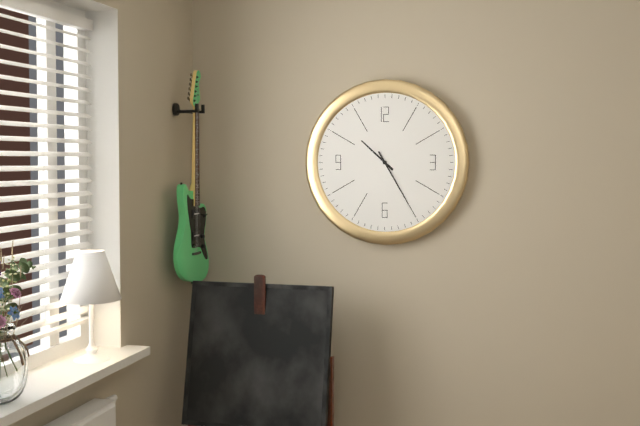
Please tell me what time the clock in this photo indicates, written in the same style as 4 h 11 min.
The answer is 10 h 25 min
